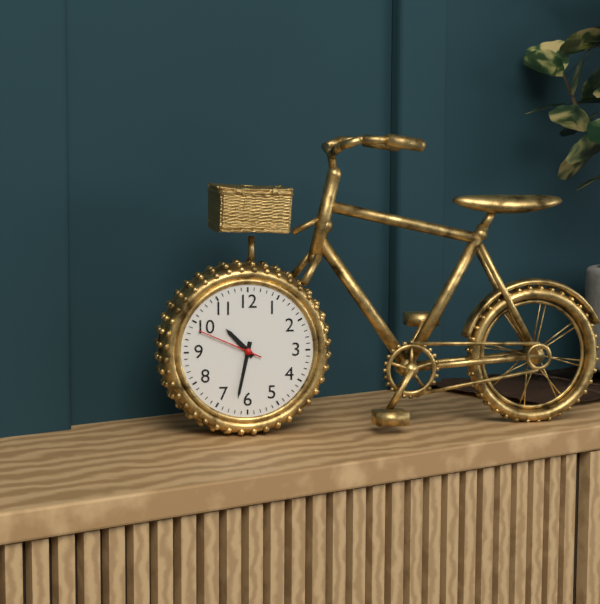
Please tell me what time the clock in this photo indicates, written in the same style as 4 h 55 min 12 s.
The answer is 10 h 32 min 49 s
